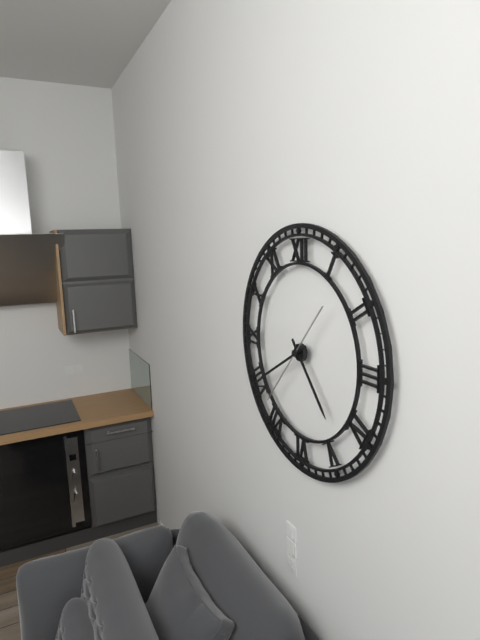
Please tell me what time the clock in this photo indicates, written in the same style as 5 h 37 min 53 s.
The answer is 4 h 40 min 37 s
